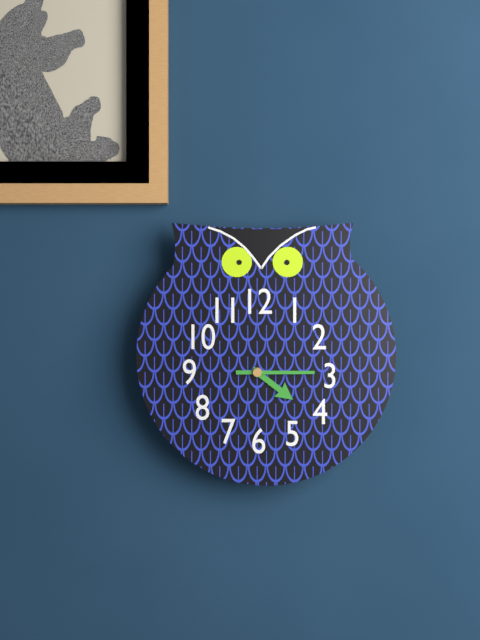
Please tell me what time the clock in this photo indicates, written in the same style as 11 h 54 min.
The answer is 4 h 15 min
